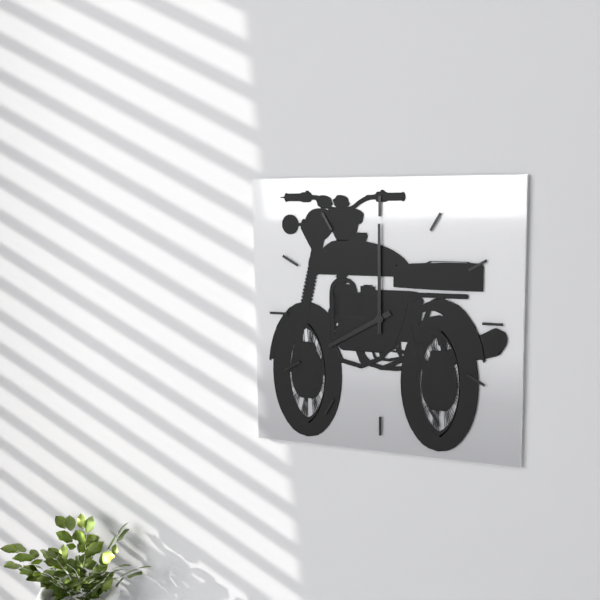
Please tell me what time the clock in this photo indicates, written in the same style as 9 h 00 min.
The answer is 8 h 00 min
